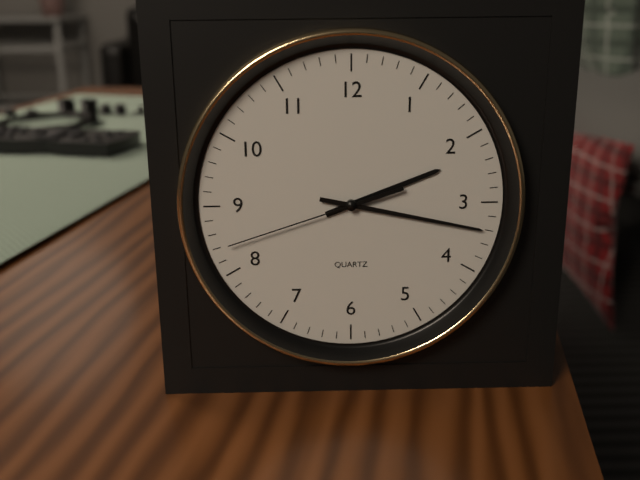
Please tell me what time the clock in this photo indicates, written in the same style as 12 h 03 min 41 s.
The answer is 2 h 17 min 42 s
